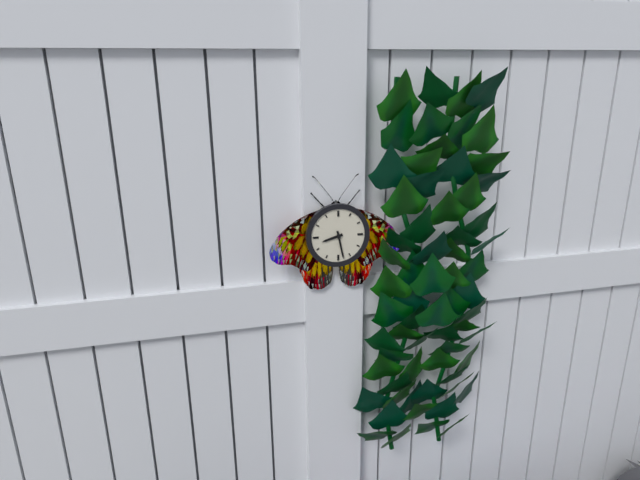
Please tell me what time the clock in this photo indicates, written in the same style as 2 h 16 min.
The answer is 8 h 28 min
